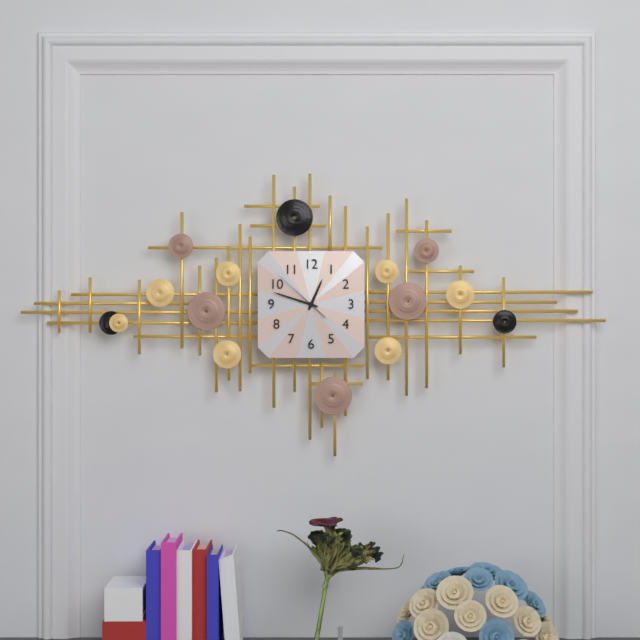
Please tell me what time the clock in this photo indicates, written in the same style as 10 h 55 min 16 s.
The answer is 12 h 48 min 52 s
